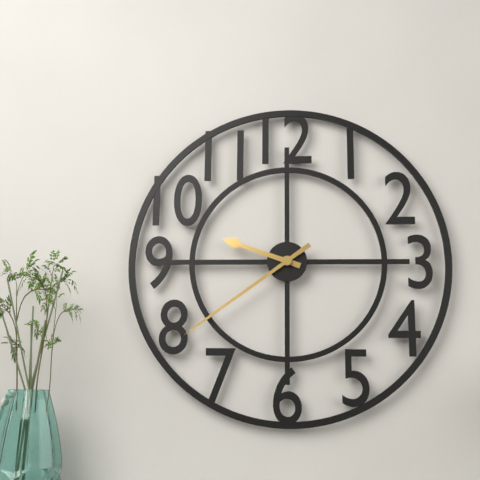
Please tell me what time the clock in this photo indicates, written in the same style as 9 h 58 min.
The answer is 9 h 39 min
